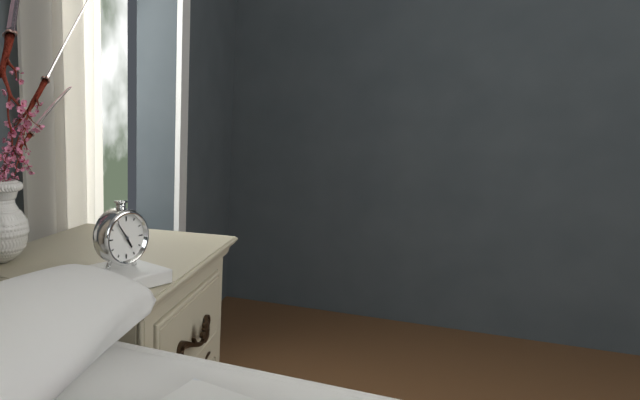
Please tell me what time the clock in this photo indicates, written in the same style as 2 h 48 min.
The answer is 4 h 54 min
